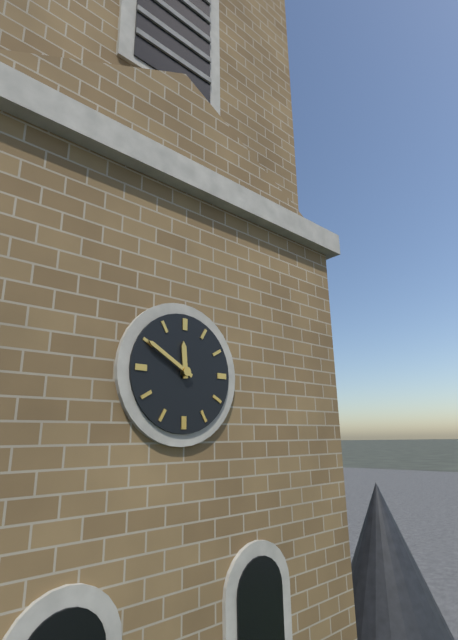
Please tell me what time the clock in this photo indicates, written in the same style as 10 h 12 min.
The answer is 11 h 50 min
